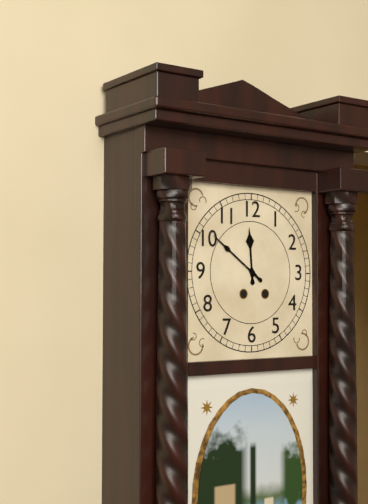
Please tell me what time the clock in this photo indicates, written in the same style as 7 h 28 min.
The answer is 11 h 51 min
